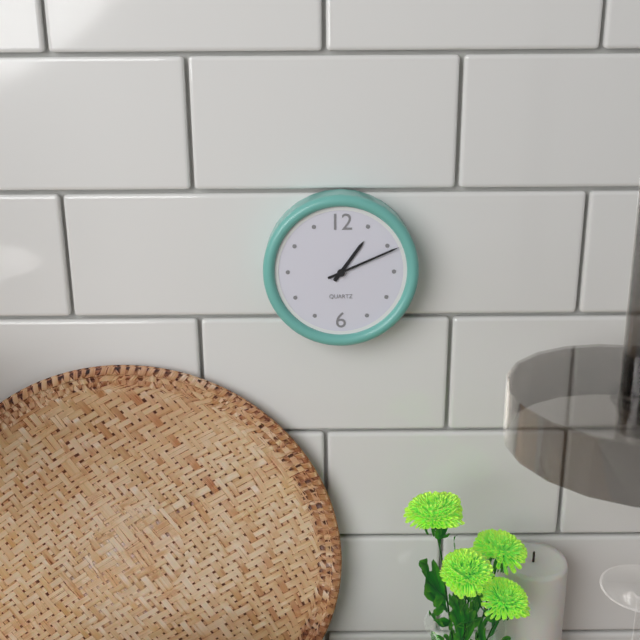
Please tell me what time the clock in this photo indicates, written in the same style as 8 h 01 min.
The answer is 1 h 11 min
